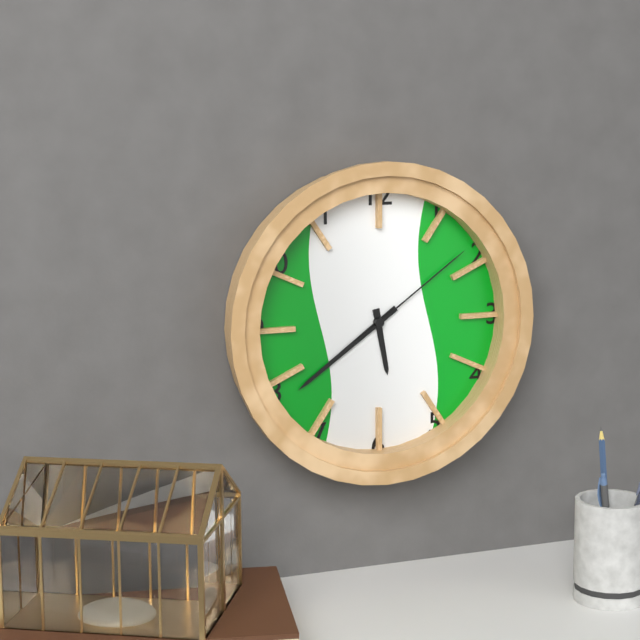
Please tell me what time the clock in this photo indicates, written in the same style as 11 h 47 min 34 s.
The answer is 5 h 39 min 09 s
